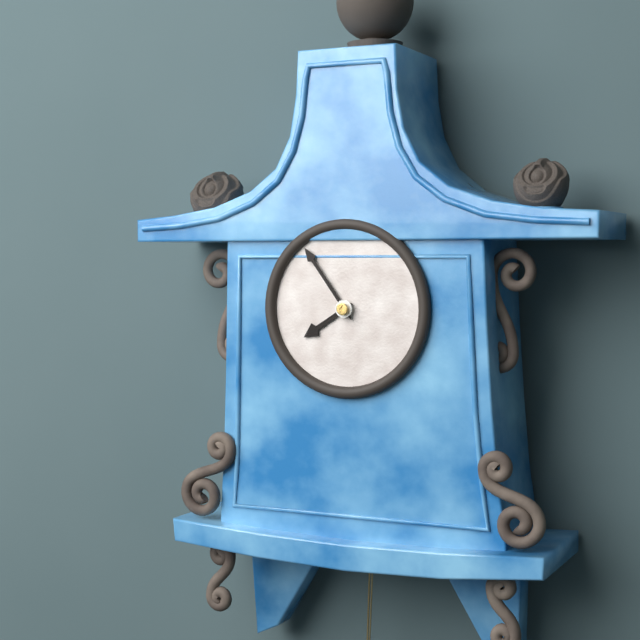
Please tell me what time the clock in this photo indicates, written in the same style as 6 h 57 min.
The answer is 7 h 54 min
